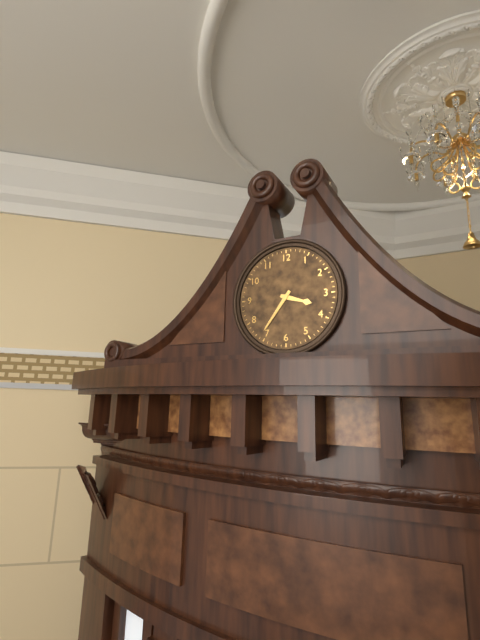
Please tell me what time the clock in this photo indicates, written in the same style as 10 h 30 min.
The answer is 3 h 36 min
